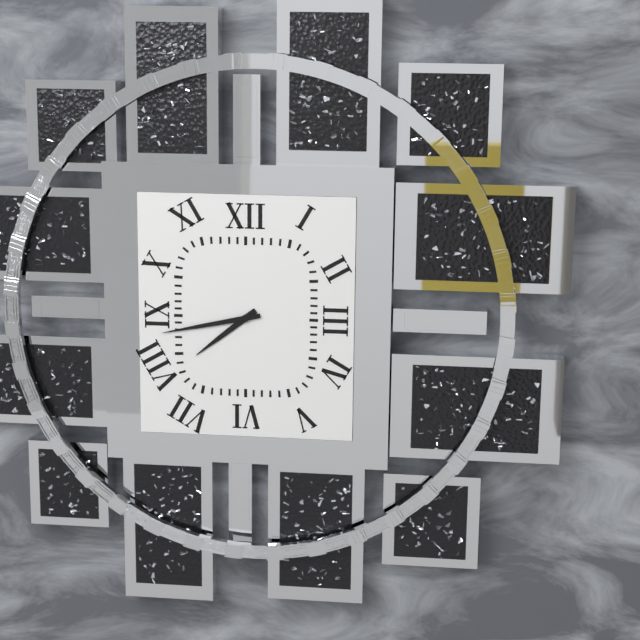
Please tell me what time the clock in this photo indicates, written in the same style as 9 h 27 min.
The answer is 7 h 43 min
